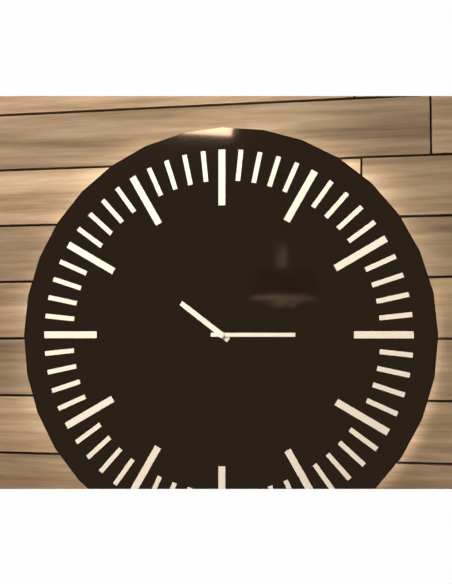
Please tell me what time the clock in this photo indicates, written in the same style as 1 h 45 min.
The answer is 10 h 15 min
